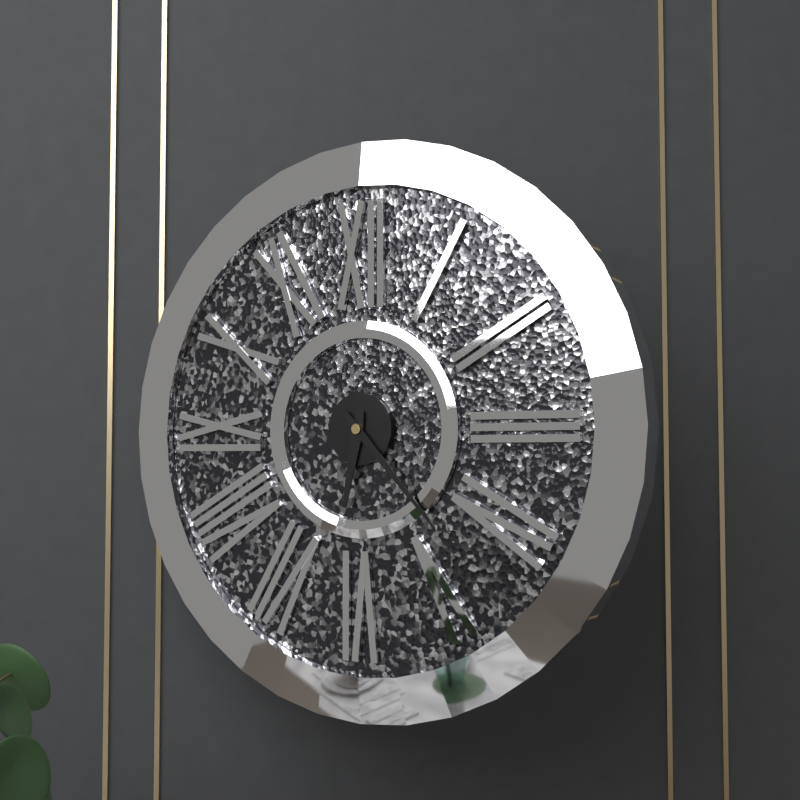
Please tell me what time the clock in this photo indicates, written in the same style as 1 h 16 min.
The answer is 6 h 23 min
